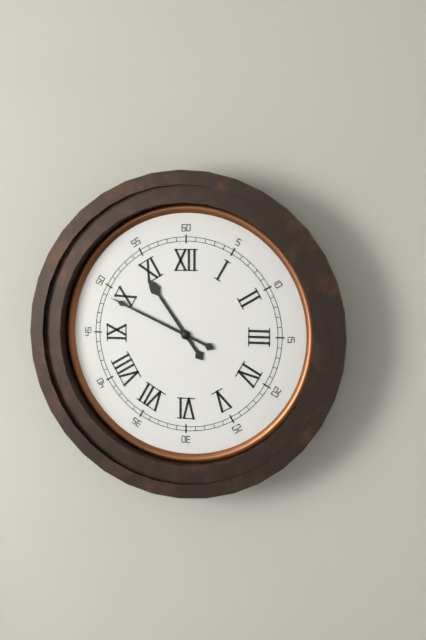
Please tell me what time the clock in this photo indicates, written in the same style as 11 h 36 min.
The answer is 10 h 49 min
